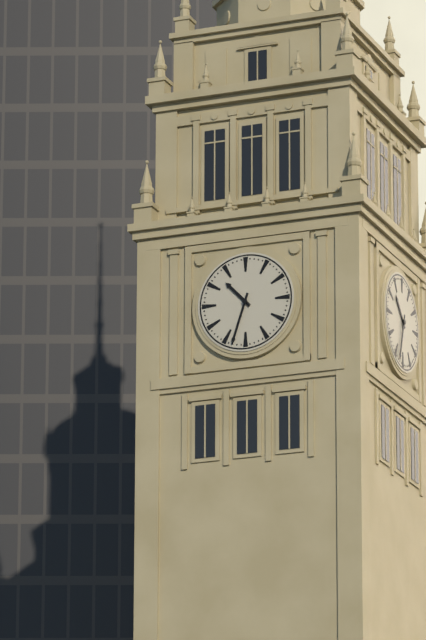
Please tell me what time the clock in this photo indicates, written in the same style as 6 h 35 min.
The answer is 10 h 33 min
